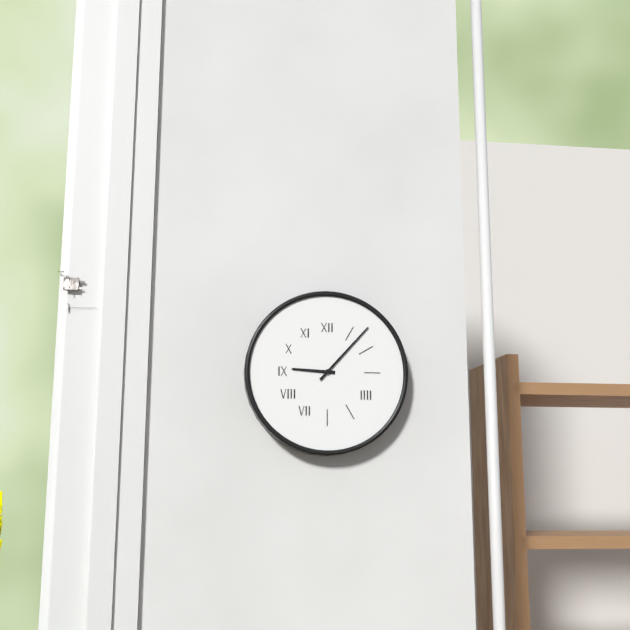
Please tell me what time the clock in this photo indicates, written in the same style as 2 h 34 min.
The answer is 9 h 07 min
